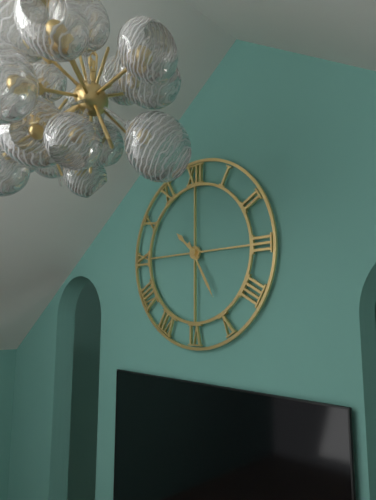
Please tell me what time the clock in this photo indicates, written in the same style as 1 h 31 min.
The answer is 10 h 25 min
